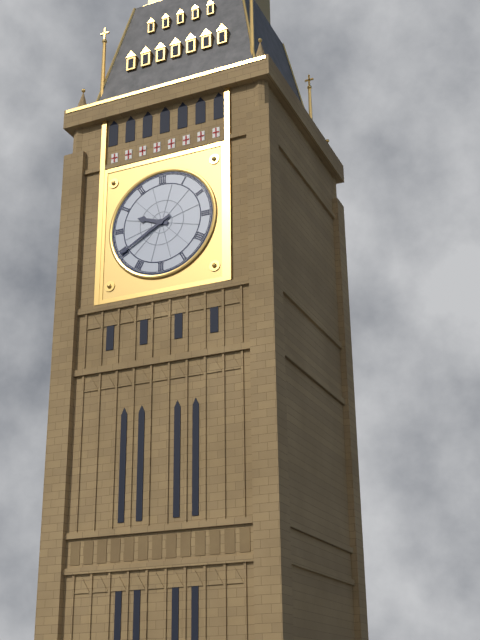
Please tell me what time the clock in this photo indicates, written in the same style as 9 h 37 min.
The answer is 9 h 40 min
